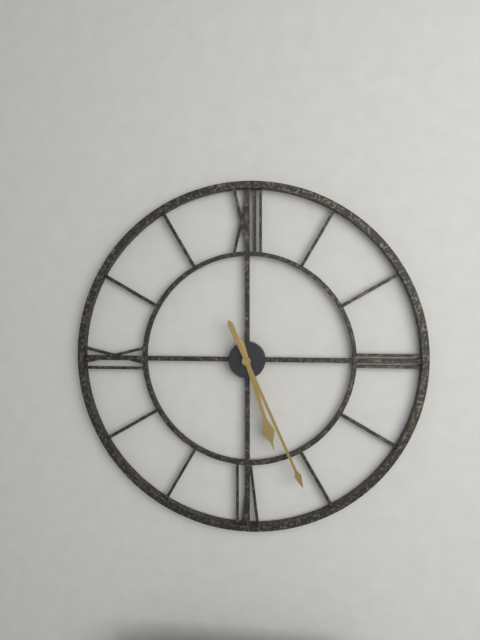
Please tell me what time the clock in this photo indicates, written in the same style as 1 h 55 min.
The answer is 5 h 26 min
